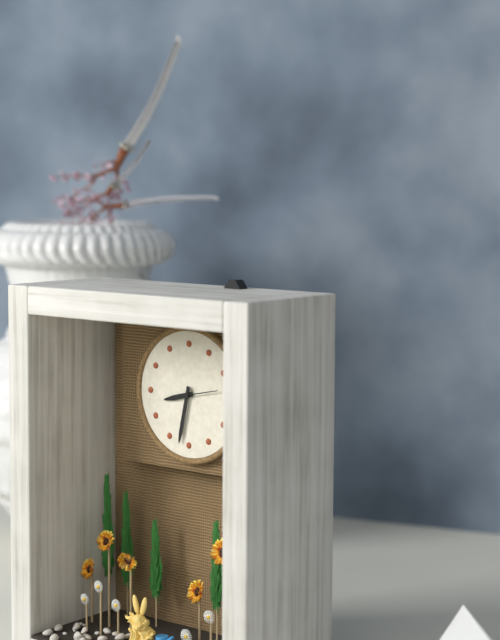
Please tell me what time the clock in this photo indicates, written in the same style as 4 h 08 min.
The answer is 8 h 32 min
